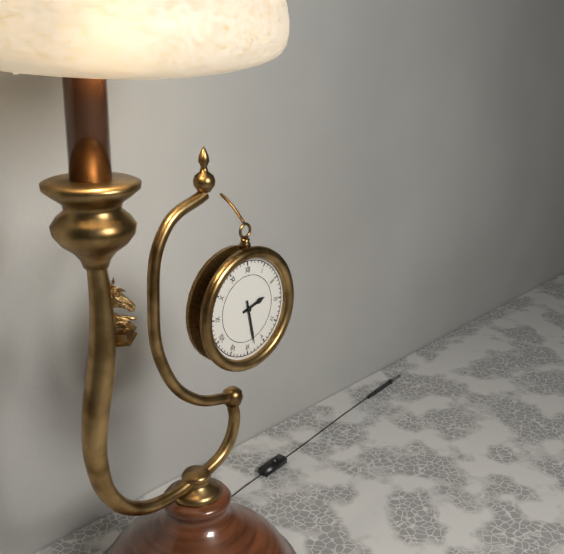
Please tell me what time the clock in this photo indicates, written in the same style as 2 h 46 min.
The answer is 2 h 28 min
